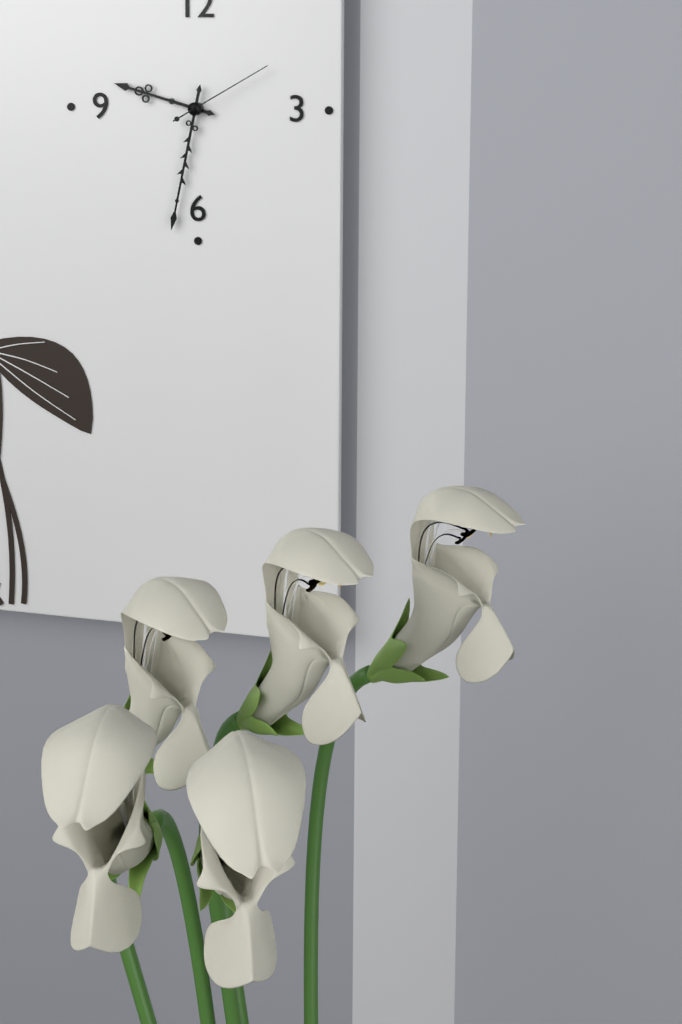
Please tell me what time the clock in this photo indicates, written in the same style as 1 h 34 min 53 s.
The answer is 9 h 32 min 10 s
